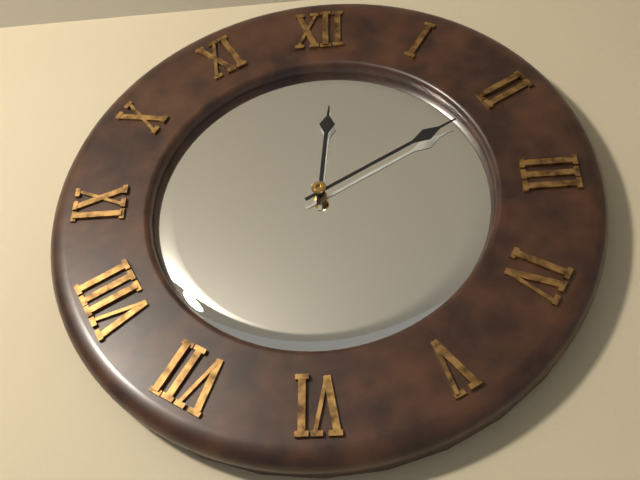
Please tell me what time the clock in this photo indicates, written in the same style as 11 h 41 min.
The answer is 12 h 10 min
